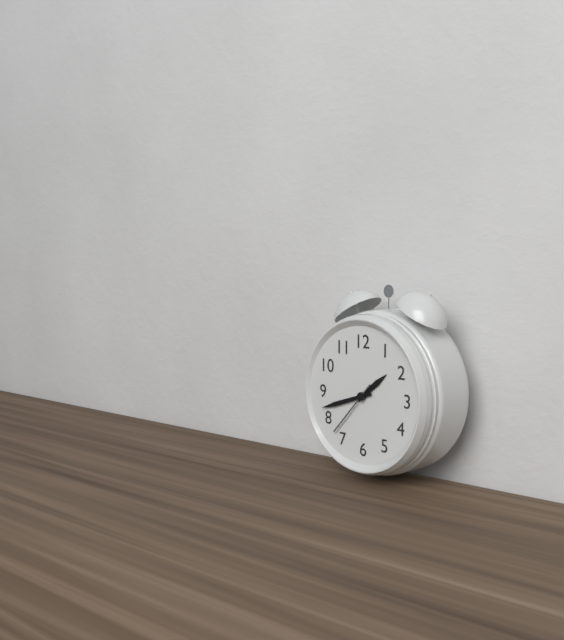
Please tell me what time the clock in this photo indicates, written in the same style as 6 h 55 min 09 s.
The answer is 1 h 42 min 37 s
